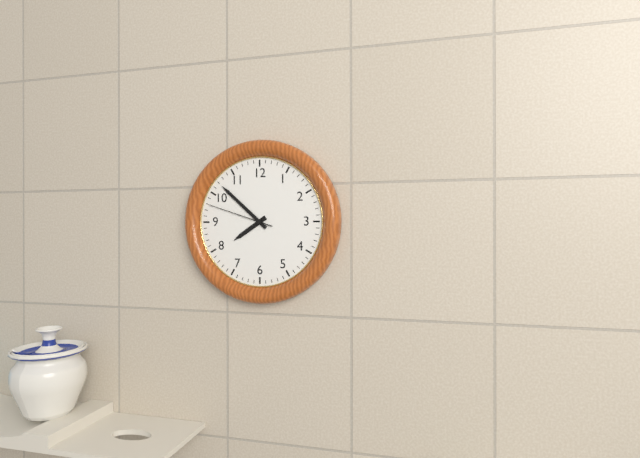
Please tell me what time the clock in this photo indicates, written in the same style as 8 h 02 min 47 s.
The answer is 7 h 52 min 48 s
